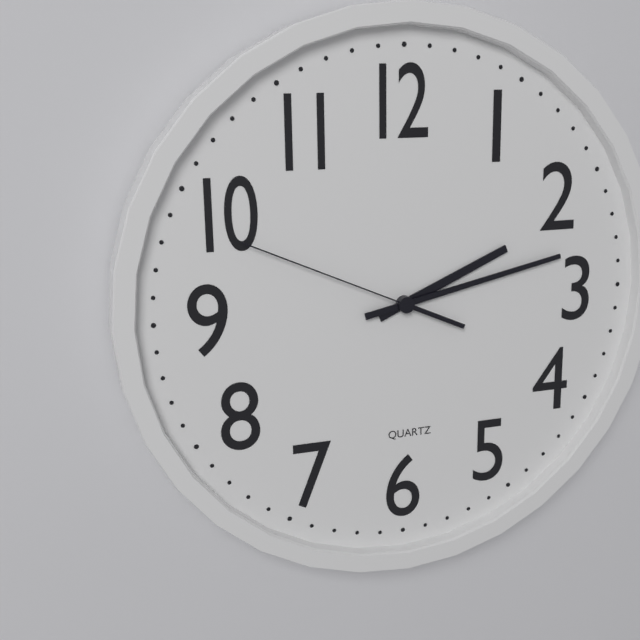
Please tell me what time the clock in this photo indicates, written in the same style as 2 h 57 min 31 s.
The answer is 2 h 13 min 49 s
